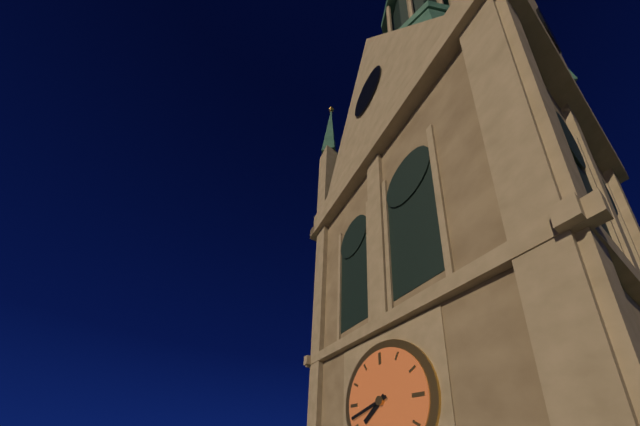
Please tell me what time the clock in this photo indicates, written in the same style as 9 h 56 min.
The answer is 7 h 42 min
